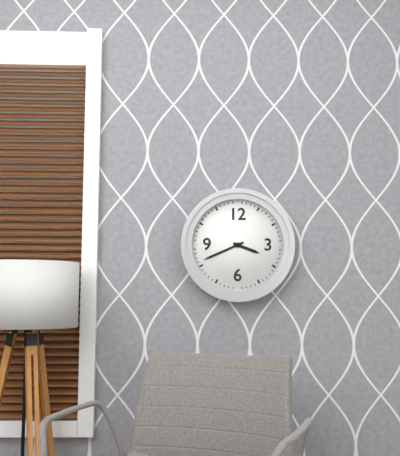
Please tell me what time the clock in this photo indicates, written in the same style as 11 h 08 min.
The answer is 3 h 41 min
